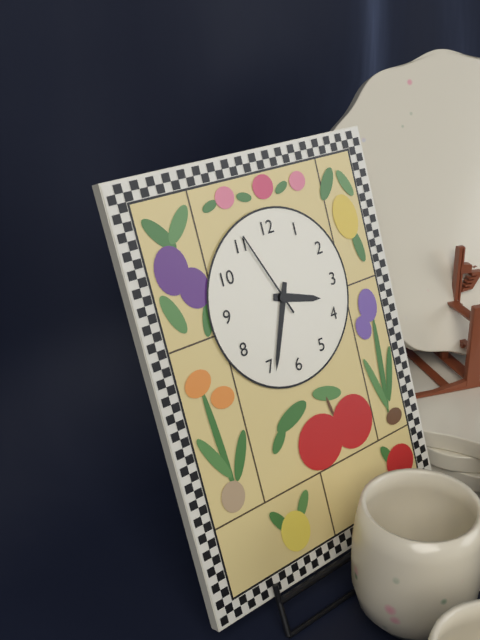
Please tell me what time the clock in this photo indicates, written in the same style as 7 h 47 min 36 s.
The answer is 3 h 34 min 56 s
